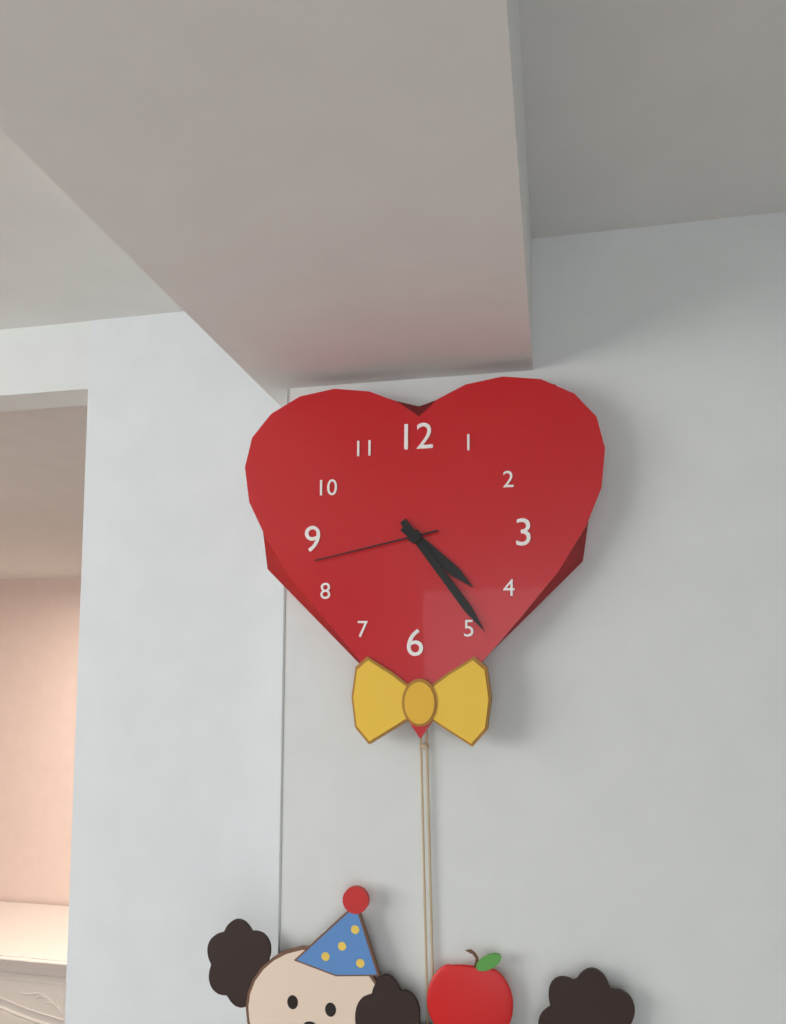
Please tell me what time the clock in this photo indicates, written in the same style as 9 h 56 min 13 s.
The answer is 4 h 24 min 43 s
